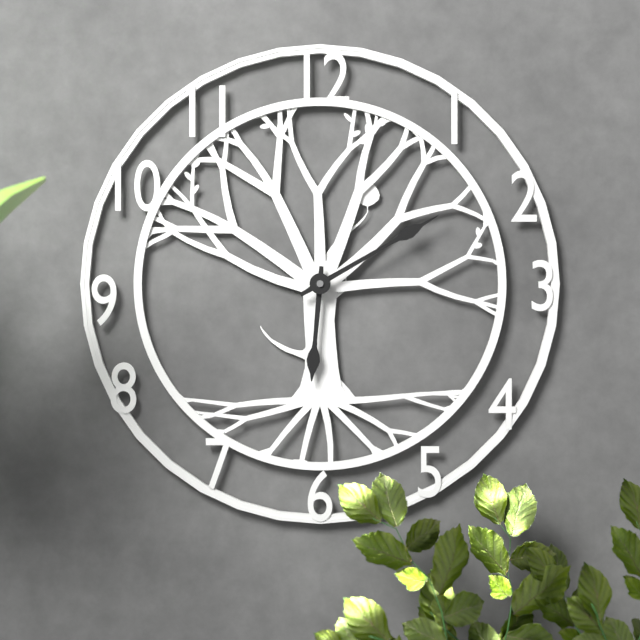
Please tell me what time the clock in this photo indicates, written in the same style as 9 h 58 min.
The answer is 6 h 10 min
